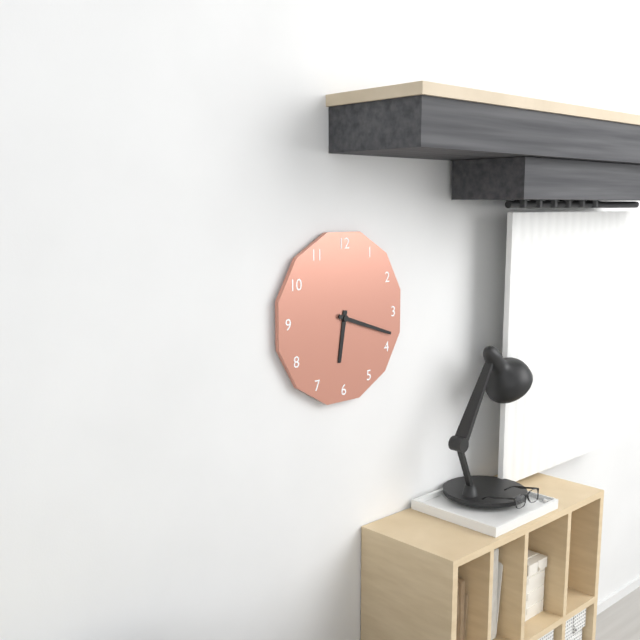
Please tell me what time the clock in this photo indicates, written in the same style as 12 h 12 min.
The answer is 6 h 18 min
